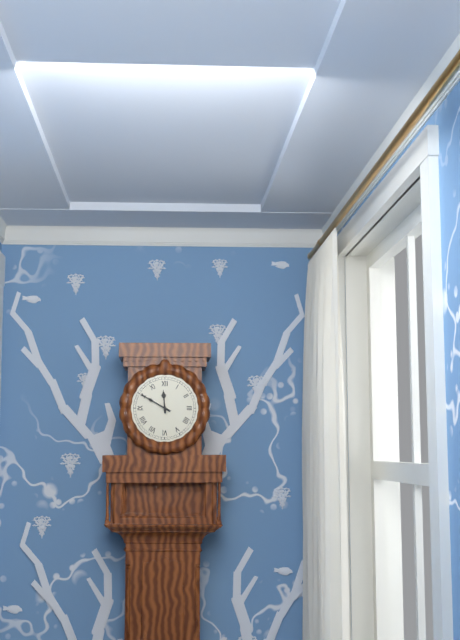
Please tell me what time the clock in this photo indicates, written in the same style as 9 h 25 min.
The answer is 11 h 50 min
